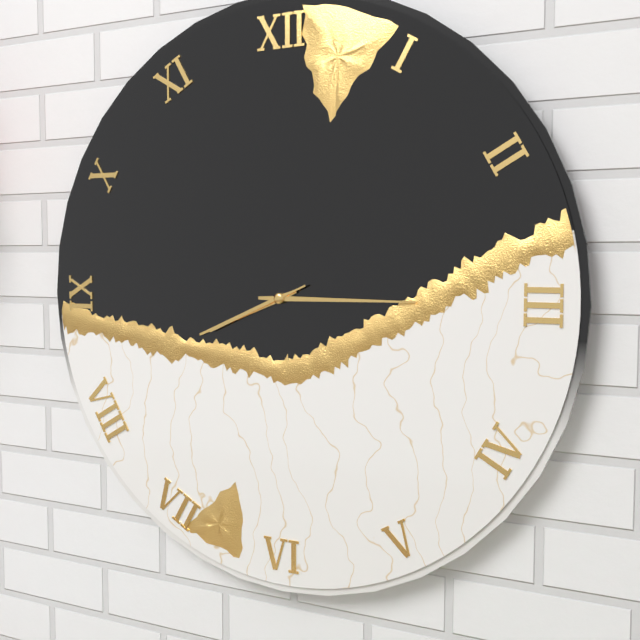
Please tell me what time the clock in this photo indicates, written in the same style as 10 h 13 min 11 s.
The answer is 8 h 15 min 41 s
